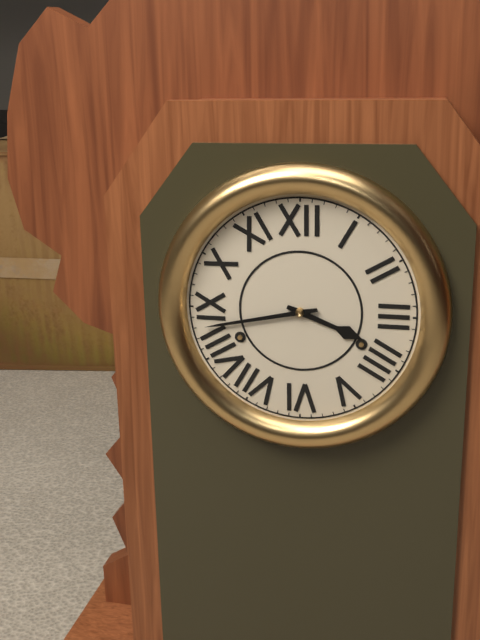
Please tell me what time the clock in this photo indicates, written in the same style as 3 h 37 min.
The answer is 3 h 43 min
